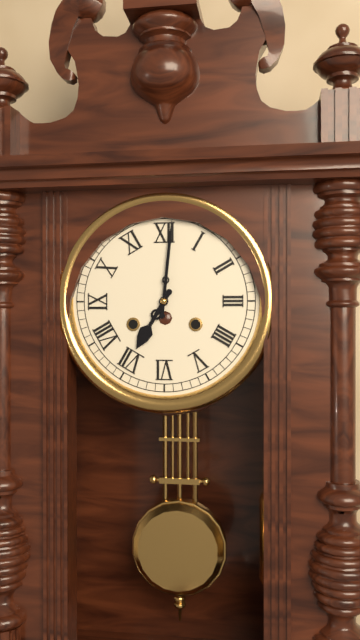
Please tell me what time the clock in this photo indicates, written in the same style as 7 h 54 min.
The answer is 7 h 01 min
